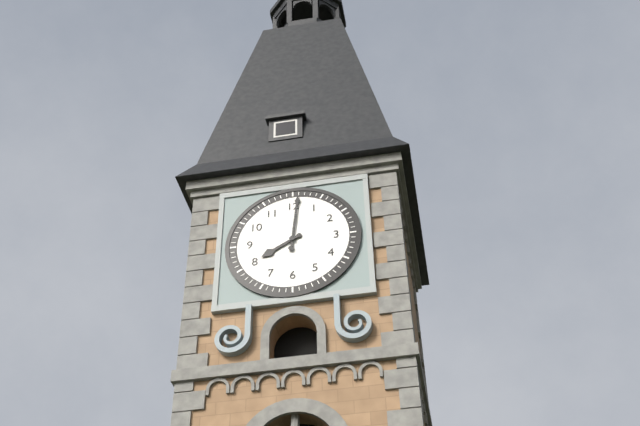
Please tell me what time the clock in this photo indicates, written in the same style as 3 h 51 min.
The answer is 8 h 01 min
